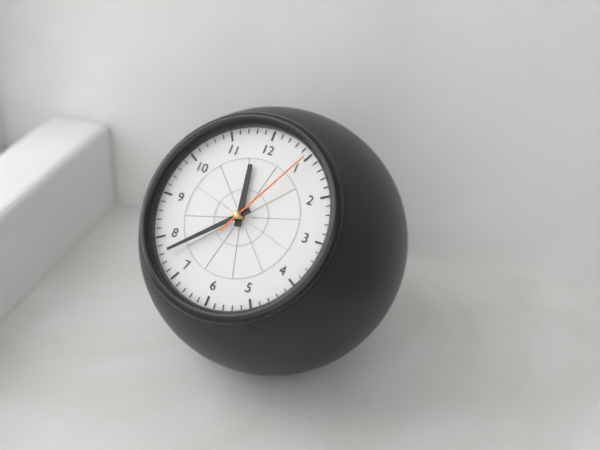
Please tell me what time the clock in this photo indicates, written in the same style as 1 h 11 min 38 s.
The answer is 11 h 38 min 05 s
